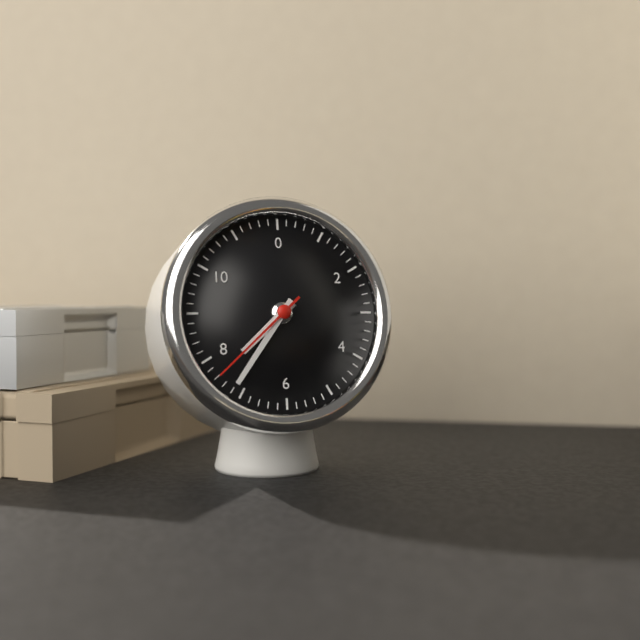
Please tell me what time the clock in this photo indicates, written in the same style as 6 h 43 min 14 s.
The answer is 7 h 36 min 38 s
